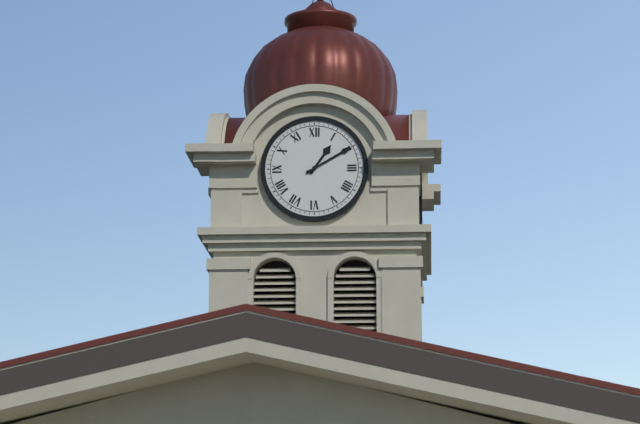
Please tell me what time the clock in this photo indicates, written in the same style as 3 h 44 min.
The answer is 1 h 10 min
